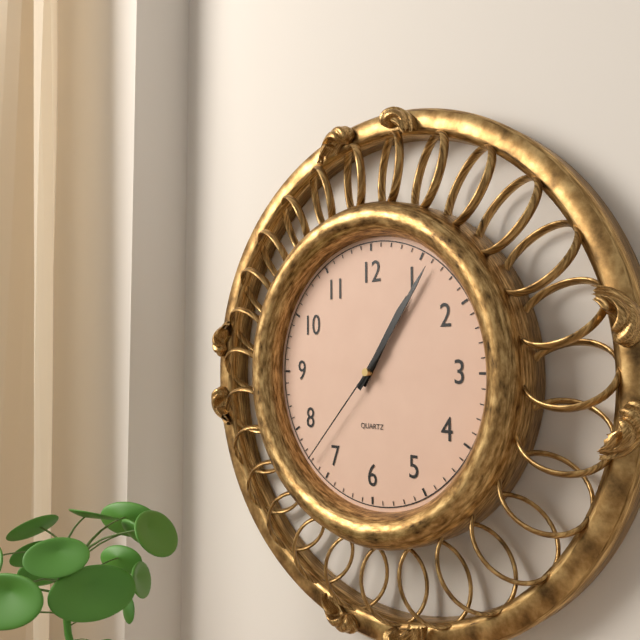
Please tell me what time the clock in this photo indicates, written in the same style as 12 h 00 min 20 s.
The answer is 1 h 06 min 37 s
